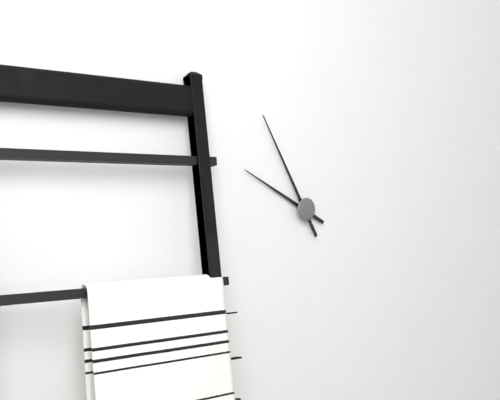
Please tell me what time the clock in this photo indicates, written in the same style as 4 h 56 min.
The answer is 9 h 55 min
